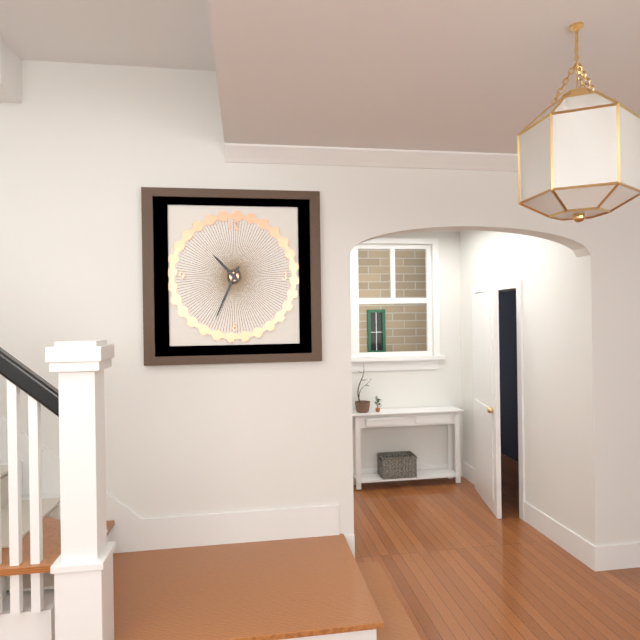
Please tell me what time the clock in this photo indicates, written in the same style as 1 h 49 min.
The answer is 10 h 34 min
